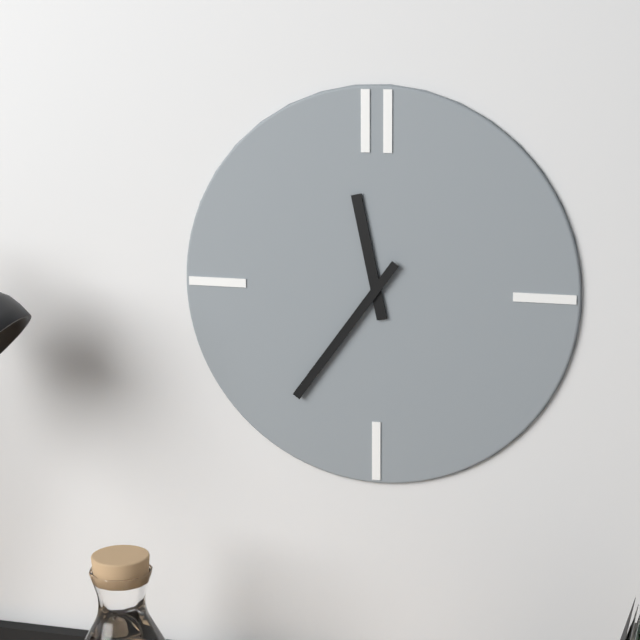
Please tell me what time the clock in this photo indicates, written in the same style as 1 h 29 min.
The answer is 11 h 36 min
